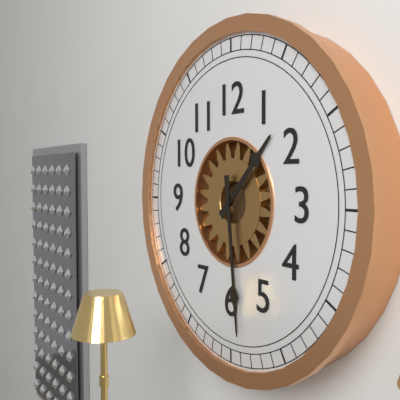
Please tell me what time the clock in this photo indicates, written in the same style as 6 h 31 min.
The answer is 1 h 29 min
